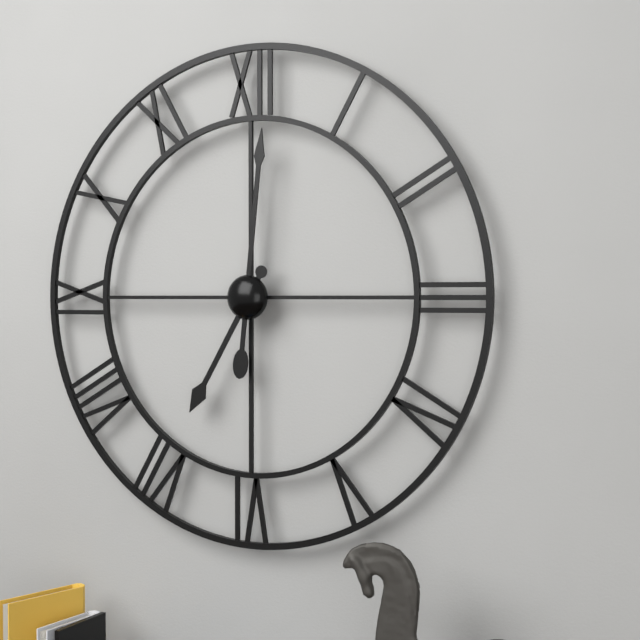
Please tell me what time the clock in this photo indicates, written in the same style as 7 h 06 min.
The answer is 7 h 01 min
